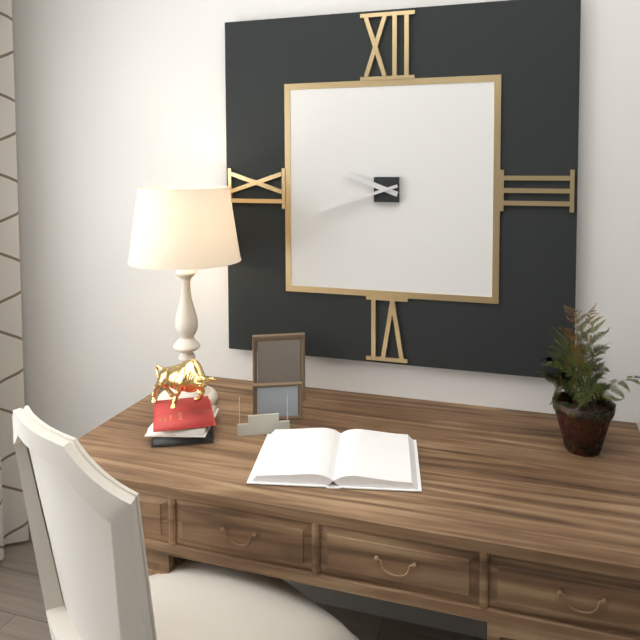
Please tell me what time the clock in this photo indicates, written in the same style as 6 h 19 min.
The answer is 9 h 42 min
